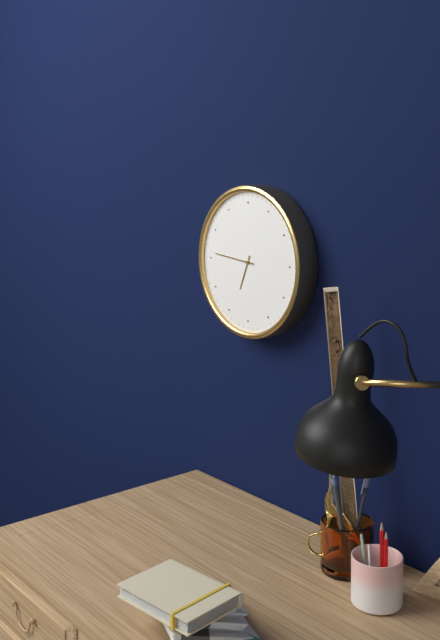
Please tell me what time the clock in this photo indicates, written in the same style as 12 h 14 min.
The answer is 6 h 46 min
